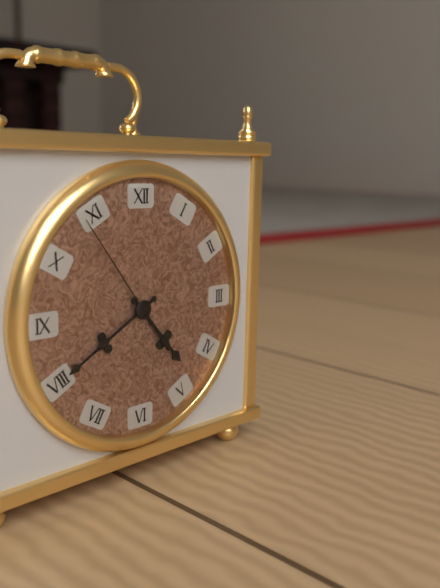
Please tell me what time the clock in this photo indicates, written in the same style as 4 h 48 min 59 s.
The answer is 4 h 40 min 54 s
